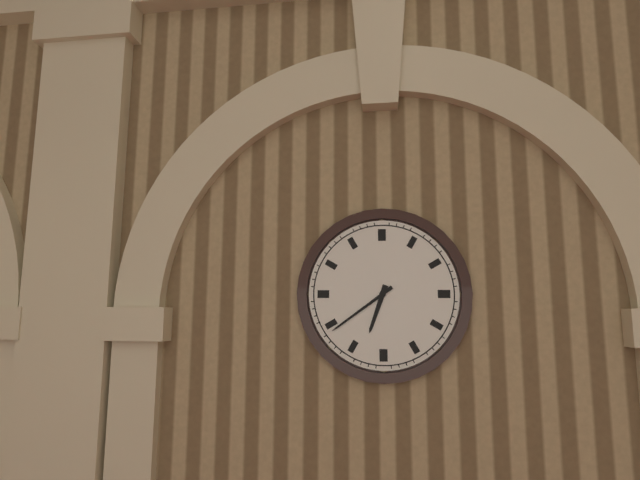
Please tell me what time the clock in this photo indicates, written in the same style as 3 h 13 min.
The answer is 6 h 39 min
